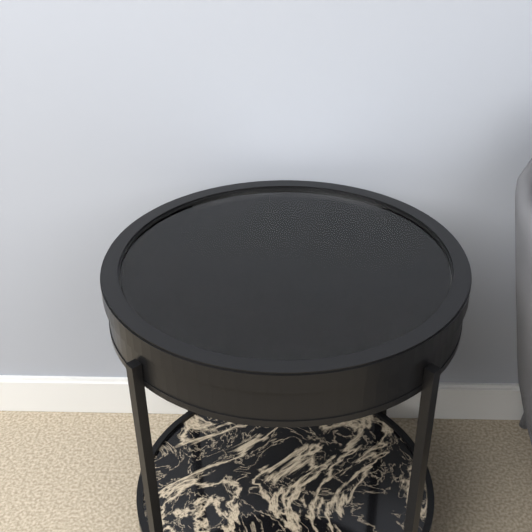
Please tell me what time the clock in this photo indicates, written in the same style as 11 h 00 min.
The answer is 4 h 19 min
